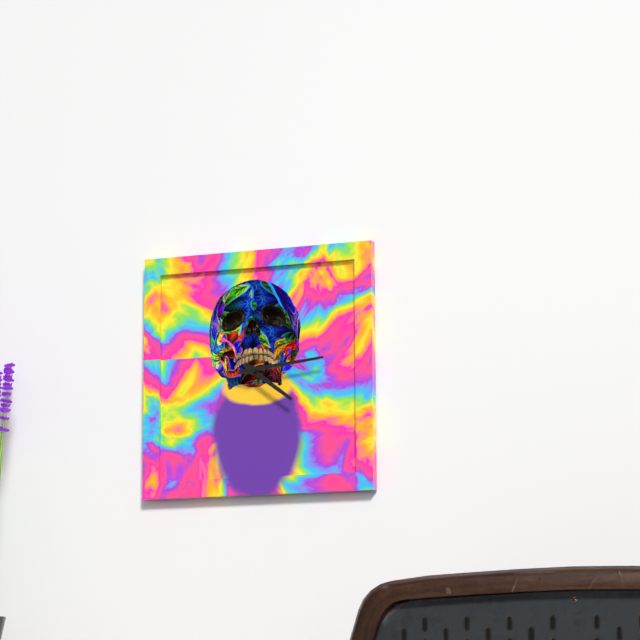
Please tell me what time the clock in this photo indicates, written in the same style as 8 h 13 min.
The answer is 4 h 14 min
